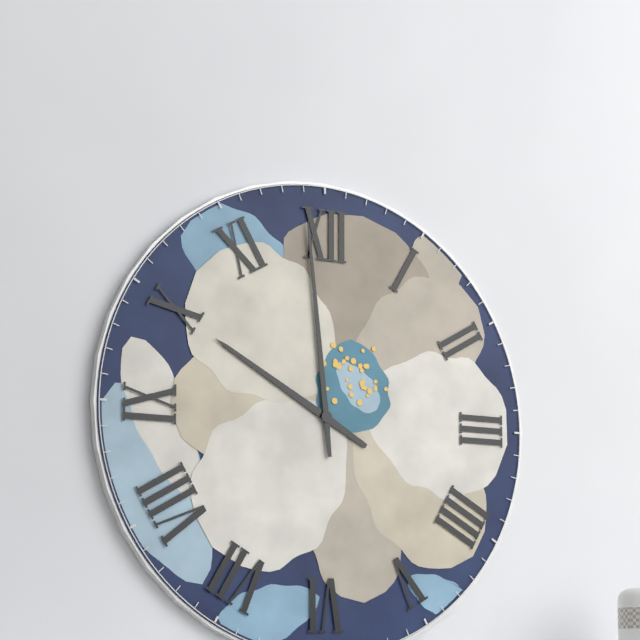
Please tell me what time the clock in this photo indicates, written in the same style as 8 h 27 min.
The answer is 9 h 59 min
